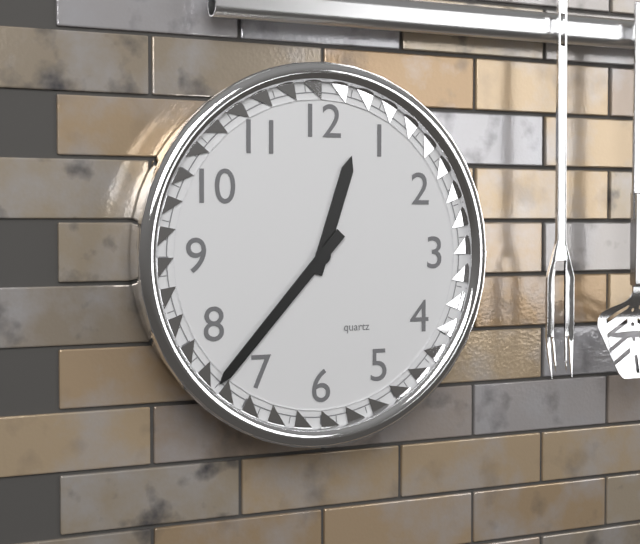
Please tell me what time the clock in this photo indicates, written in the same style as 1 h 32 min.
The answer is 12 h 37 min
